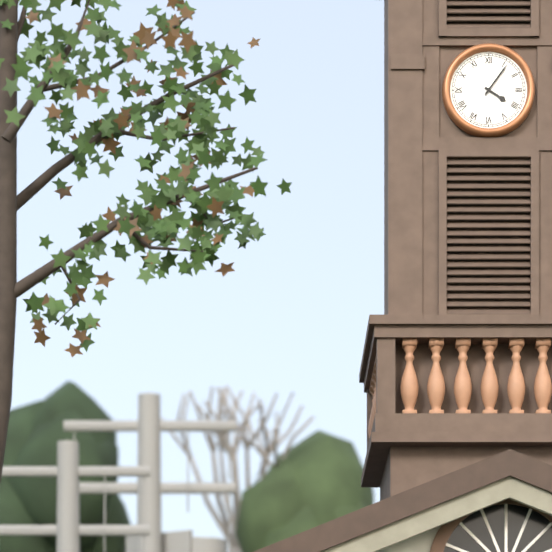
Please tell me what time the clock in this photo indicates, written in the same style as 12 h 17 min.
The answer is 4 h 06 min
